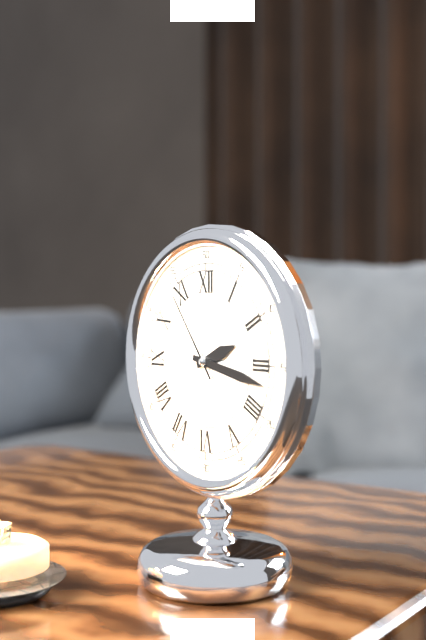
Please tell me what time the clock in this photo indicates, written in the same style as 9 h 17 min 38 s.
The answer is 2 h 17 min 54 s
